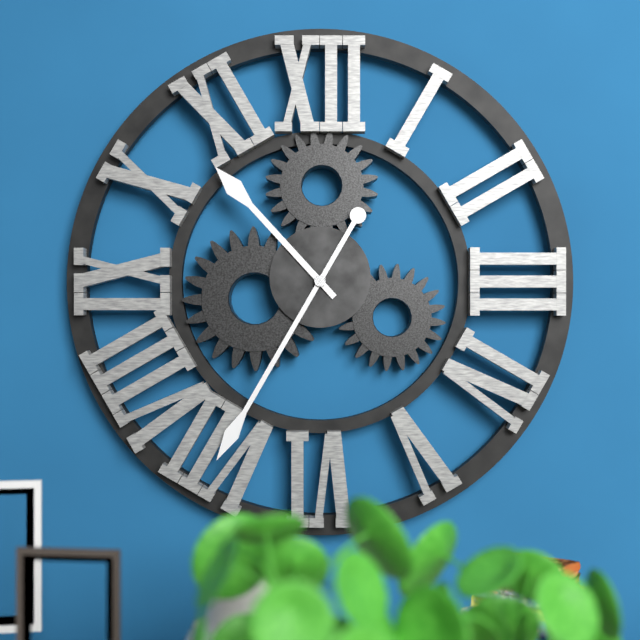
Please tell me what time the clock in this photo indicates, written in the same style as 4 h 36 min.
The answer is 10 h 35 min
